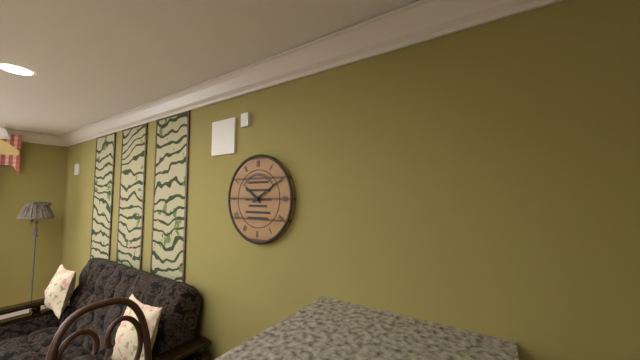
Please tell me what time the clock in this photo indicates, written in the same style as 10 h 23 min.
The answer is 10 h 10 min
